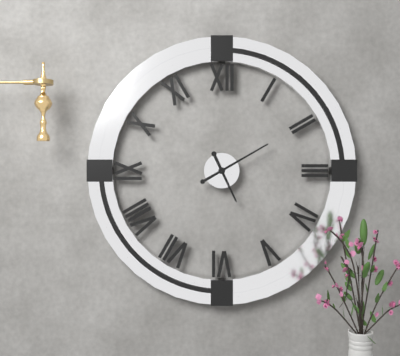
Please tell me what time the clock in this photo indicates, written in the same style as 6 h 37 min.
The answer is 5 h 10 min
